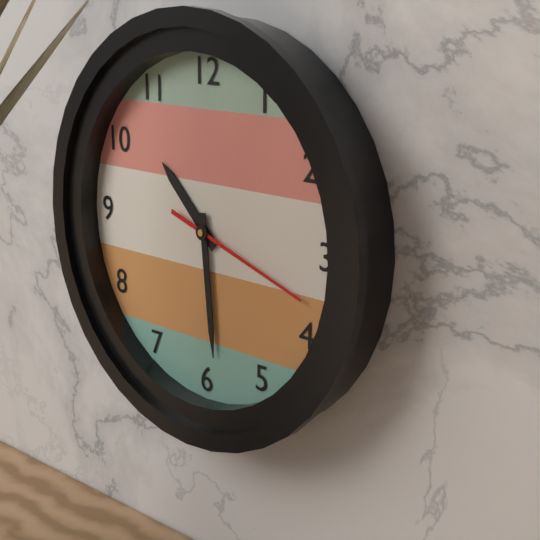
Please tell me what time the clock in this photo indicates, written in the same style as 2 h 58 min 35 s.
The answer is 10 h 29 min 18 s
